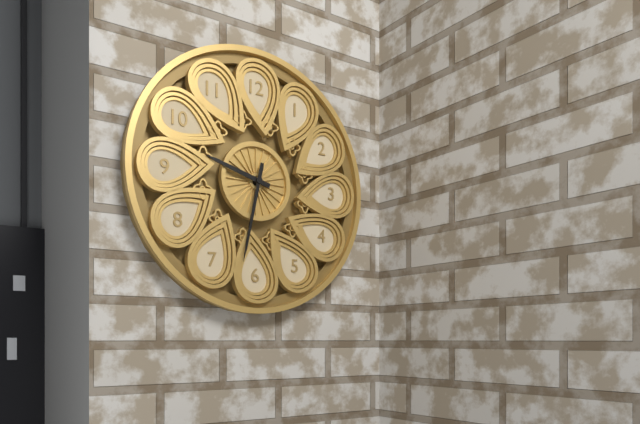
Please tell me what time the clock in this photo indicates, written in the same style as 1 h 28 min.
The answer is 9 h 32 min
